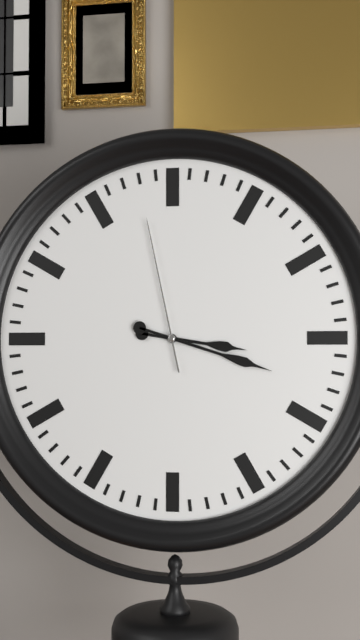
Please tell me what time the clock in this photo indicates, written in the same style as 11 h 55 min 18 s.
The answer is 3 h 18 min 58 s
